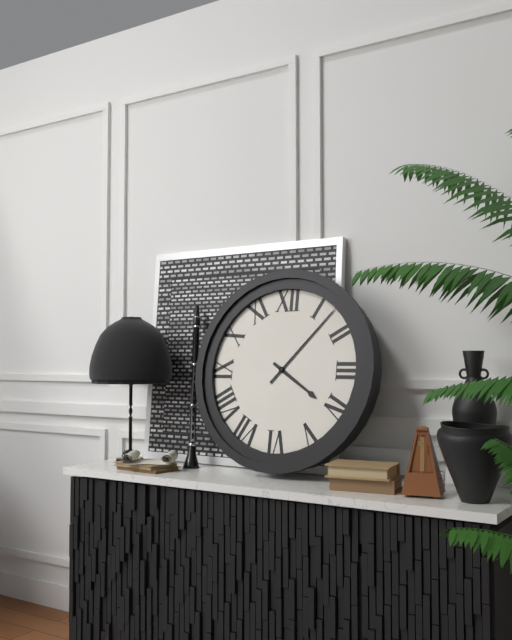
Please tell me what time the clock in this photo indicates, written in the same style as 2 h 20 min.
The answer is 4 h 07 min
